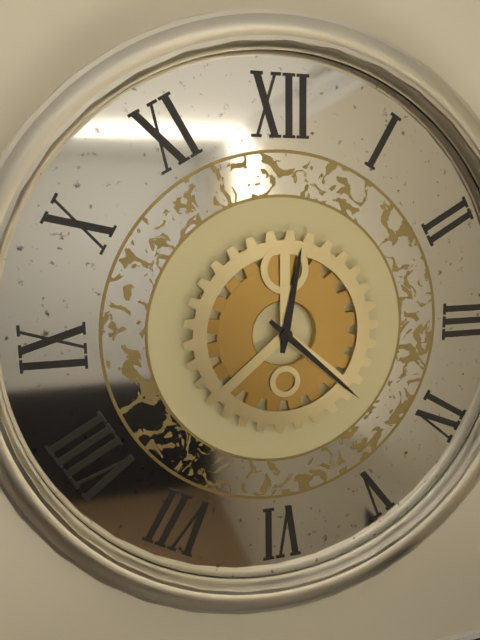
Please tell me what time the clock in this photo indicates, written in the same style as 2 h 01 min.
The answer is 12 h 22 min
